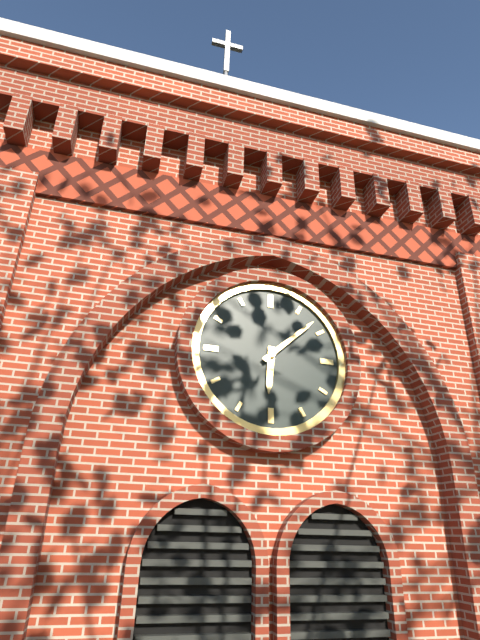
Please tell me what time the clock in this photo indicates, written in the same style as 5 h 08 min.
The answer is 6 h 08 min
